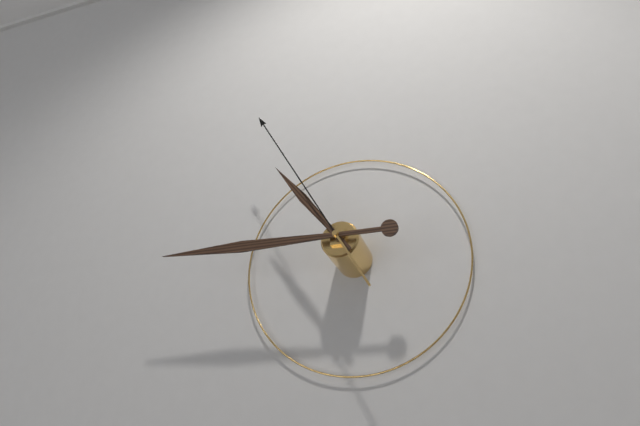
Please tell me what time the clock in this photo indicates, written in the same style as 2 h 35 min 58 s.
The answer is 10 h 45 min 55 s
